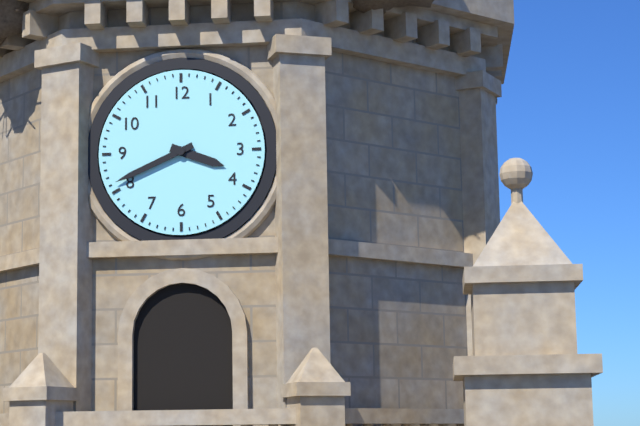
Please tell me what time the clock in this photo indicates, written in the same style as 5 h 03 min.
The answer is 3 h 41 min
